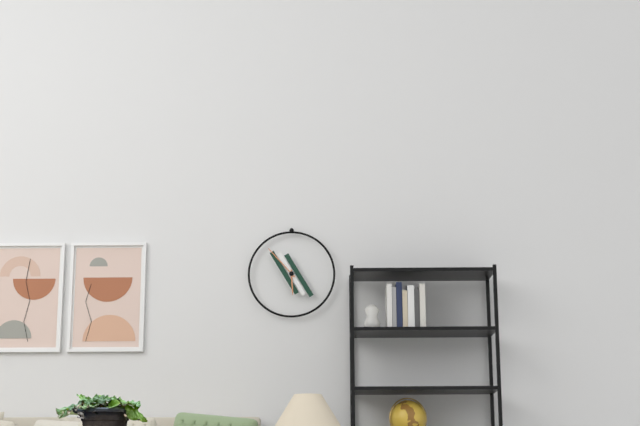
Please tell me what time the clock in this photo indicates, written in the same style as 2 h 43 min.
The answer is 5 h 53 min
